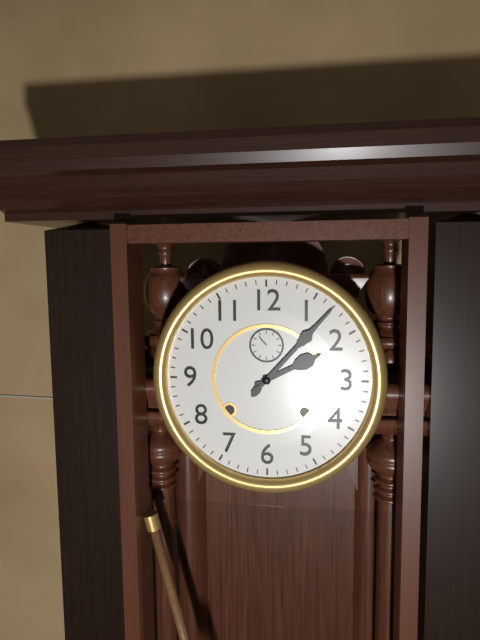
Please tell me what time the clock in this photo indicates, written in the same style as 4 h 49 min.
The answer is 2 h 07 min
